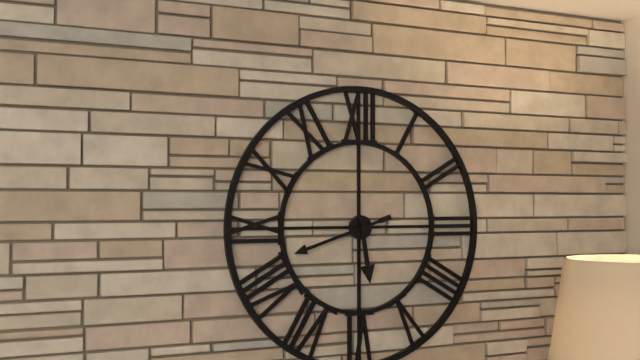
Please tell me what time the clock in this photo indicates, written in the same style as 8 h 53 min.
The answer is 5 h 42 min
